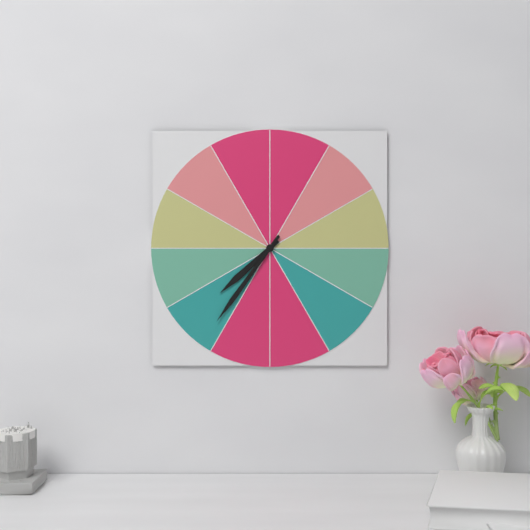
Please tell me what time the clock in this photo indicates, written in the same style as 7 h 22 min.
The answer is 7 h 36 min
